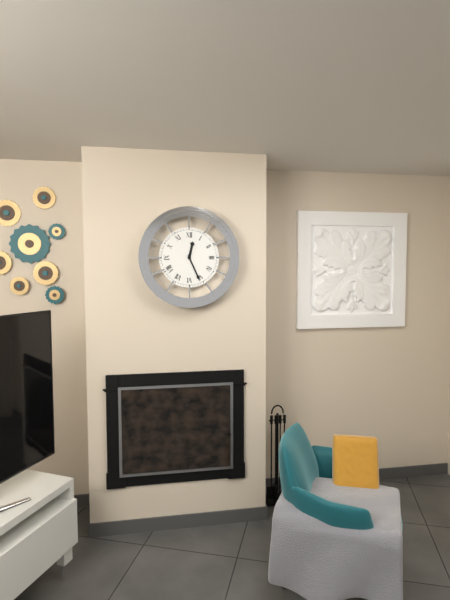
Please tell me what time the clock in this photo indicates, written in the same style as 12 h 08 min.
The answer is 12 h 26 min
